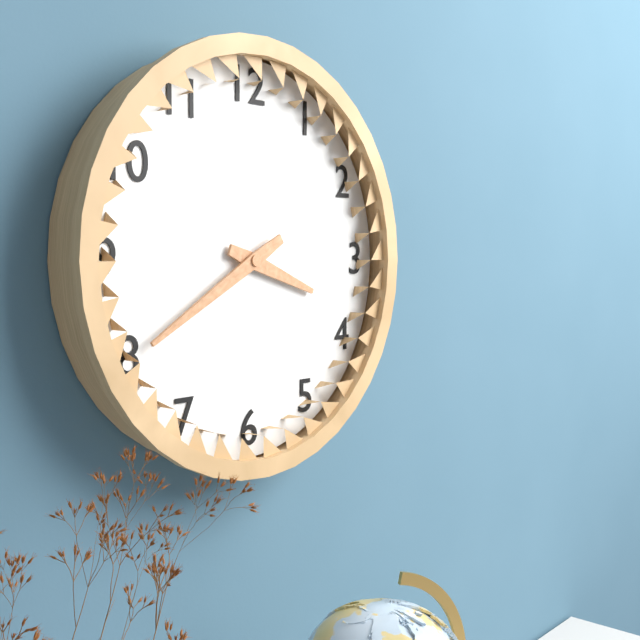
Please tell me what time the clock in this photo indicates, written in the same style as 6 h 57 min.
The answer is 3 h 40 min
